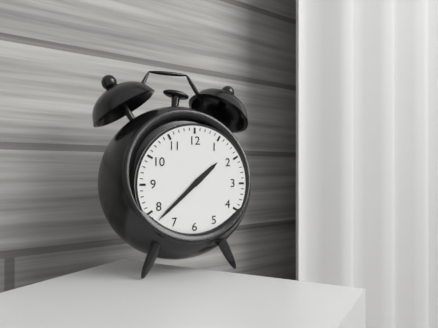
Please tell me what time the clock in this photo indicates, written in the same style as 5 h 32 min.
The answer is 1 h 38 min
